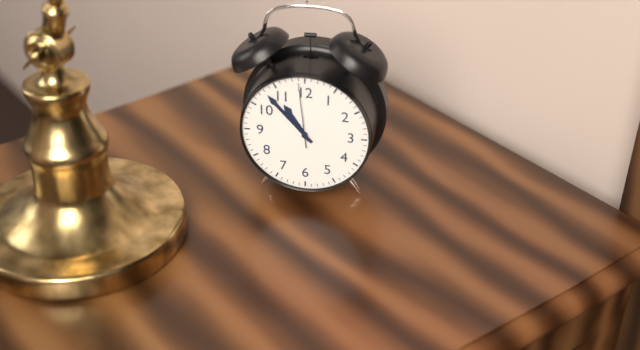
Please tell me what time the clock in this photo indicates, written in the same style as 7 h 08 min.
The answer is 10 h 53 min
